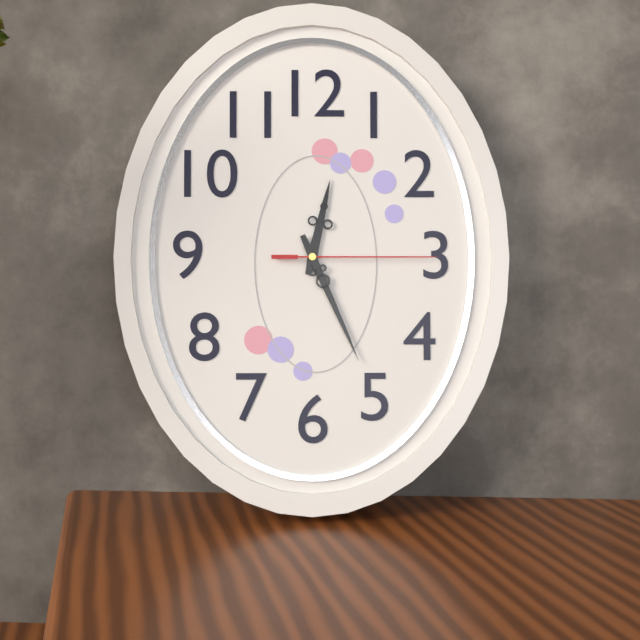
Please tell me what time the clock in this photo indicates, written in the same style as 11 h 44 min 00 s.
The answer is 12 h 26 min 15 s
